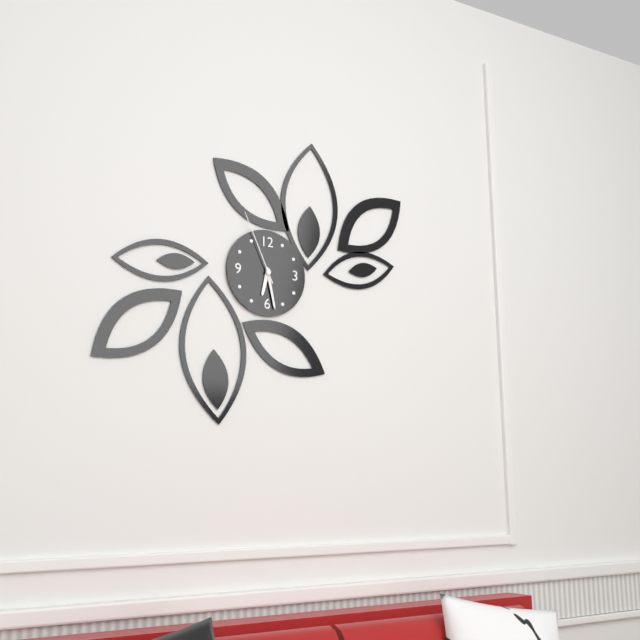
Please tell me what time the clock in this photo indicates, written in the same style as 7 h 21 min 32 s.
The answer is 6 h 28 min 56 s
